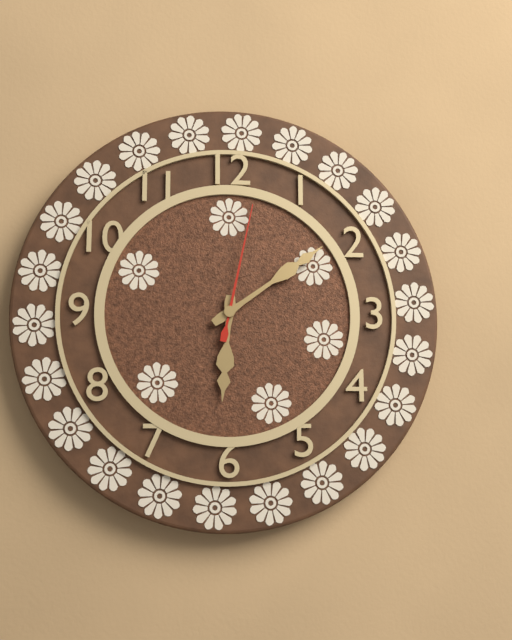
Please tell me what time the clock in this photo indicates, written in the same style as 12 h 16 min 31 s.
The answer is 6 h 09 min 02 s
